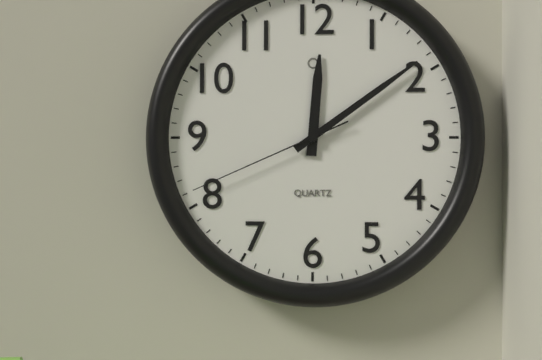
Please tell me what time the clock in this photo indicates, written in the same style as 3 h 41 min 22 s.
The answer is 12 h 09 min 41 s
